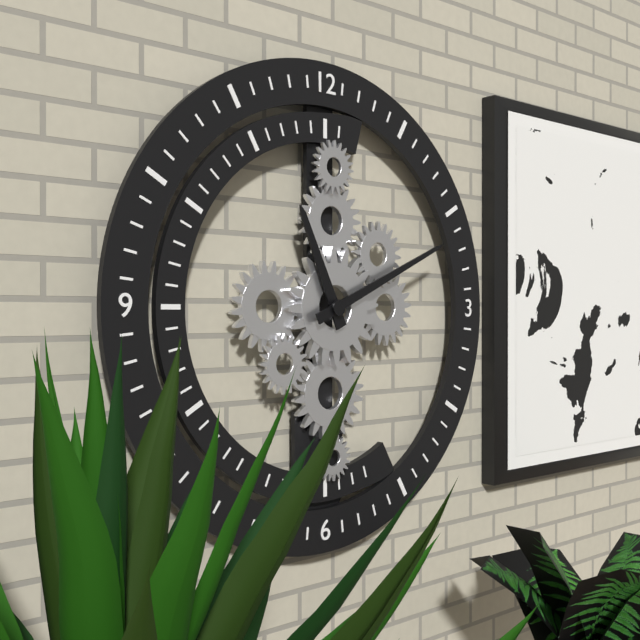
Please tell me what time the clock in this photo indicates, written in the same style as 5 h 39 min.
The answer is 11 h 11 min
